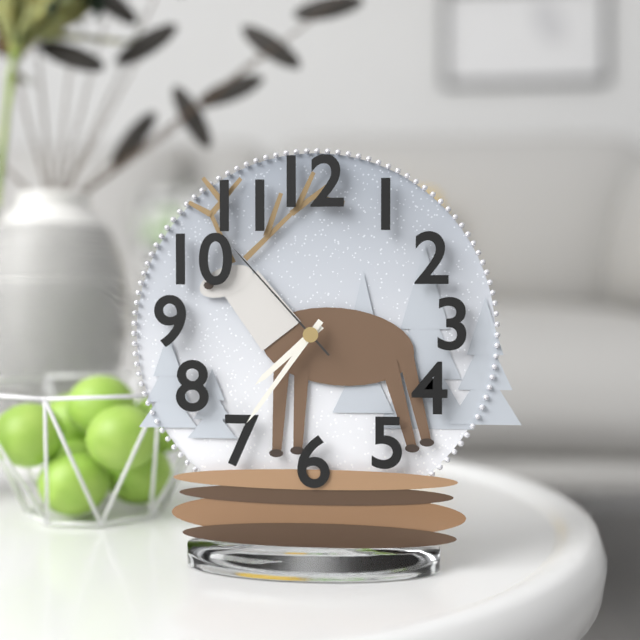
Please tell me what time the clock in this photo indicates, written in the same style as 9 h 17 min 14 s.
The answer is 7 h 36 min 53 s
